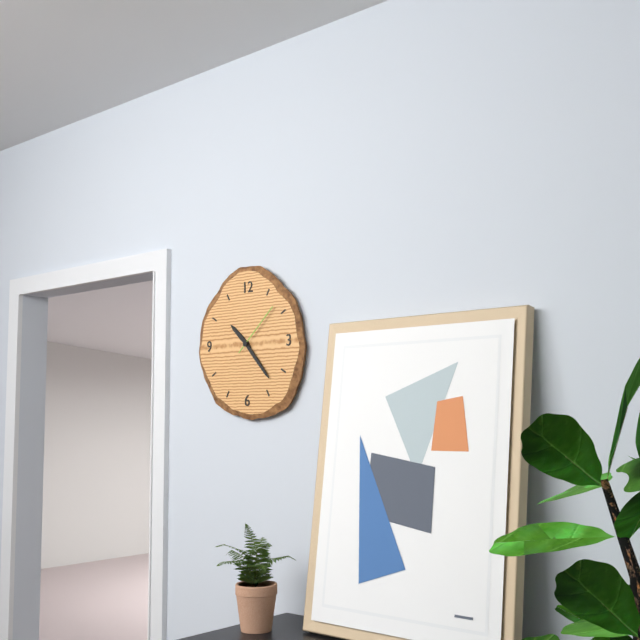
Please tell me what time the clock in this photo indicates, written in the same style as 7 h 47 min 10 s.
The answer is 10 h 23 min 08 s
